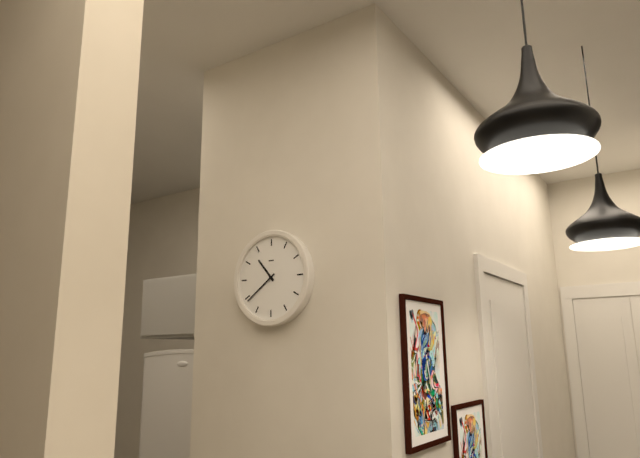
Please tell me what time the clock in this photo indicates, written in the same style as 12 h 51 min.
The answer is 10 h 39 min
